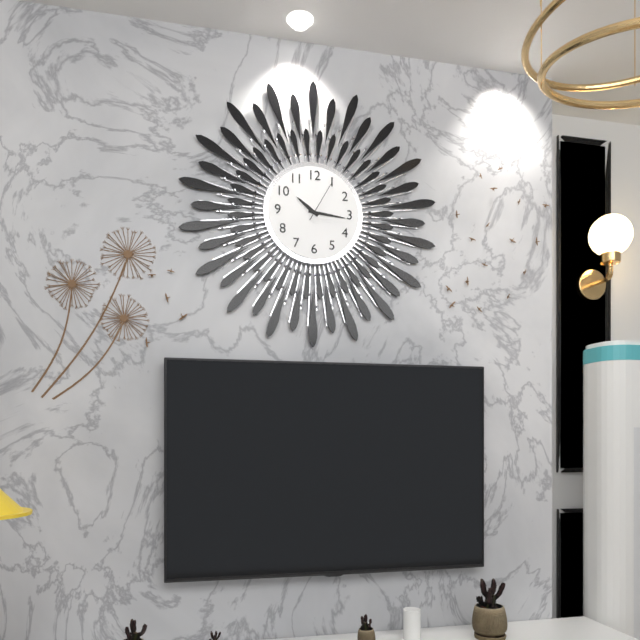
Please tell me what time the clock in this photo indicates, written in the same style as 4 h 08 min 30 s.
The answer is 10 h 16 min 05 s
